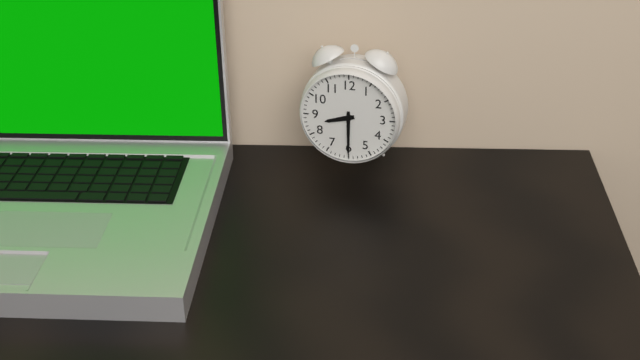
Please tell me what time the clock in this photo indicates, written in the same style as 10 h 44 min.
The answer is 8 h 30 min
